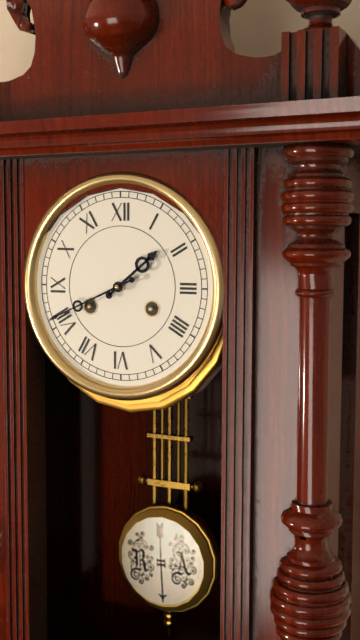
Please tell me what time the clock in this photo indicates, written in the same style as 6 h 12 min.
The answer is 1 h 41 min
